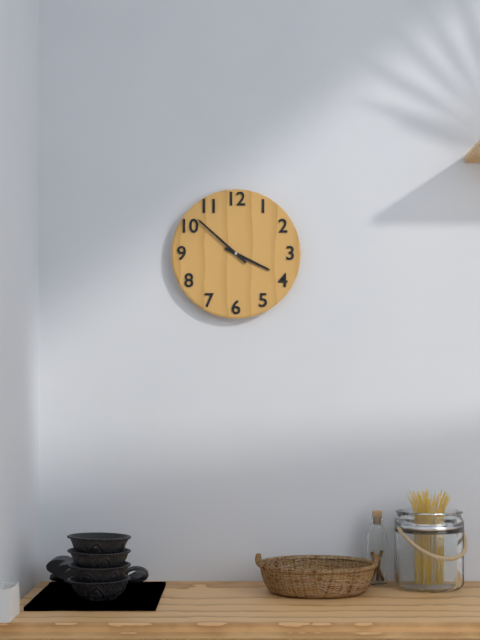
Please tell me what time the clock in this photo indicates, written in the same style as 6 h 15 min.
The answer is 3 h 52 min
